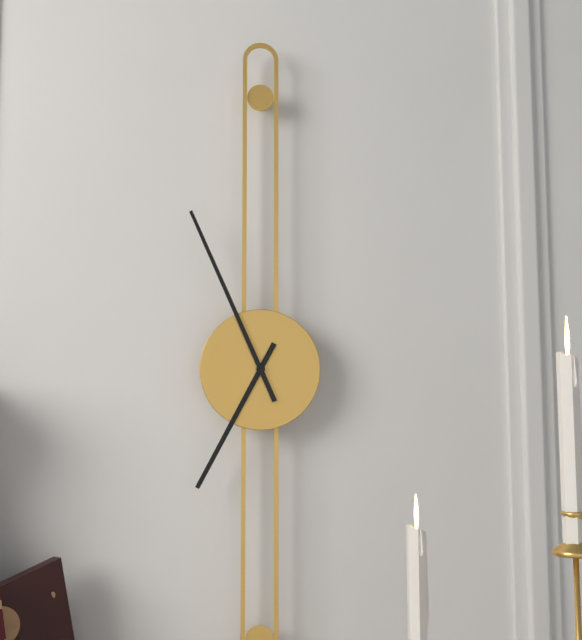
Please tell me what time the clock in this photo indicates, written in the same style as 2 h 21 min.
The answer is 6 h 56 min
